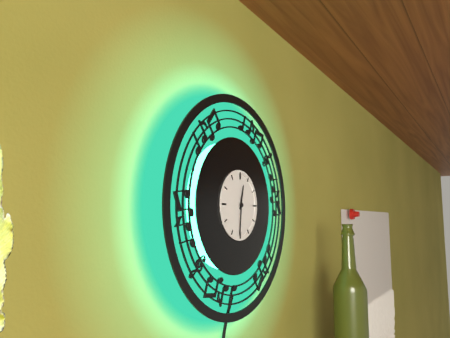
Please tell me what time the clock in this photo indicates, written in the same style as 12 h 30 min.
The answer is 12 h 31 min
